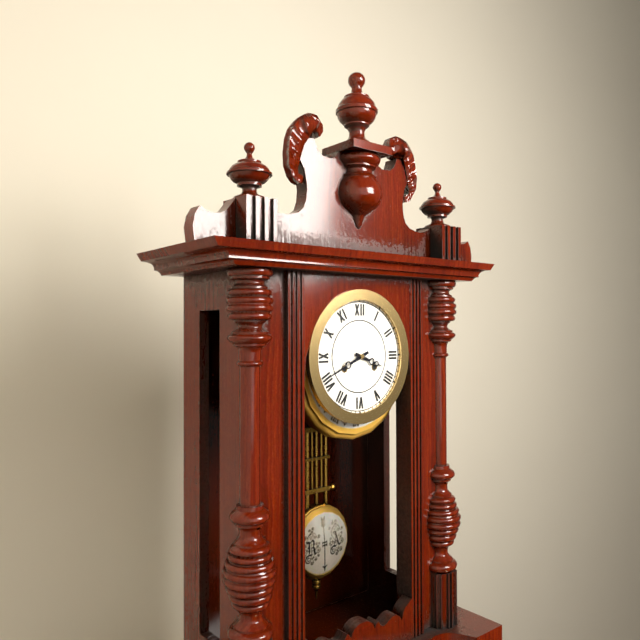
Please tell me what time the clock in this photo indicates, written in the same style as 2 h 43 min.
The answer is 3 h 41 min
